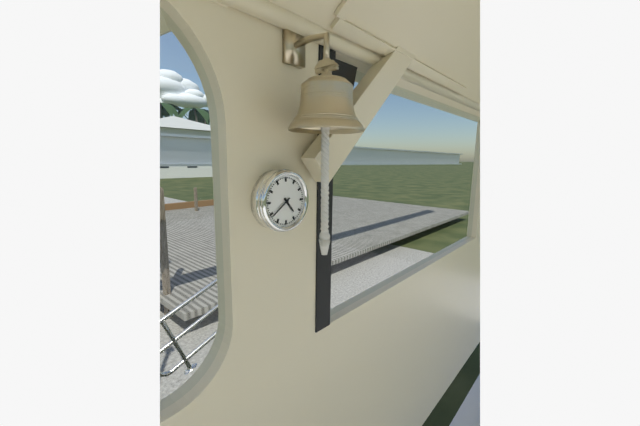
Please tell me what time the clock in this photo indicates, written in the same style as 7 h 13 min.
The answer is 4 h 39 min
